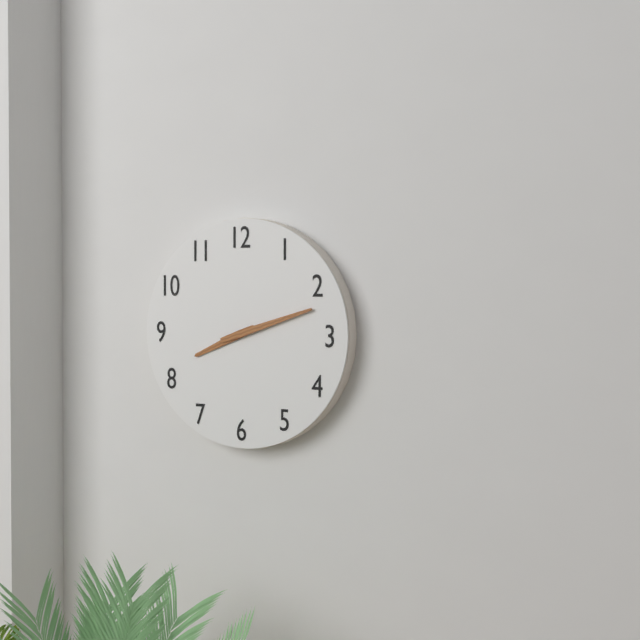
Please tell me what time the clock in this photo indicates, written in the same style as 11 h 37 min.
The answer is 8 h 12 min
